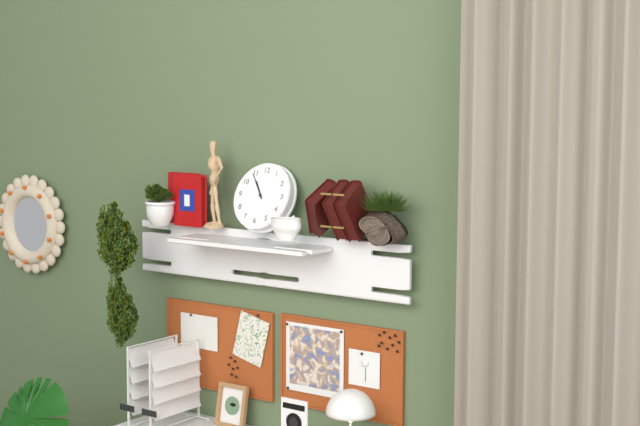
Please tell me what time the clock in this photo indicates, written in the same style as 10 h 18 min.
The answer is 10 h 54 min
